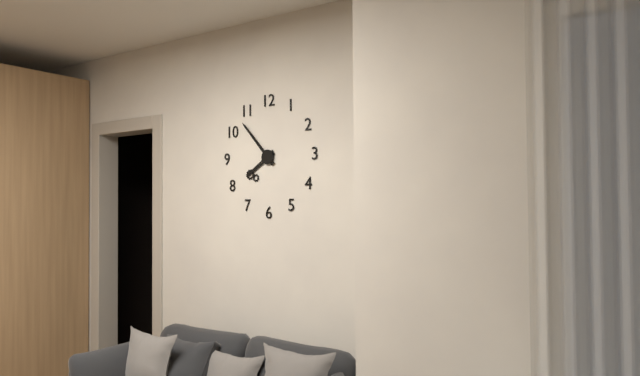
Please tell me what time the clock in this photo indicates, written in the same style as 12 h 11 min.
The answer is 7 h 53 min
